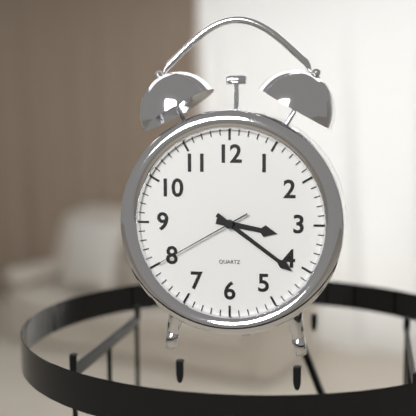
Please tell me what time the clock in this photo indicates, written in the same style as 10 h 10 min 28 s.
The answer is 3 h 21 min 40 s
